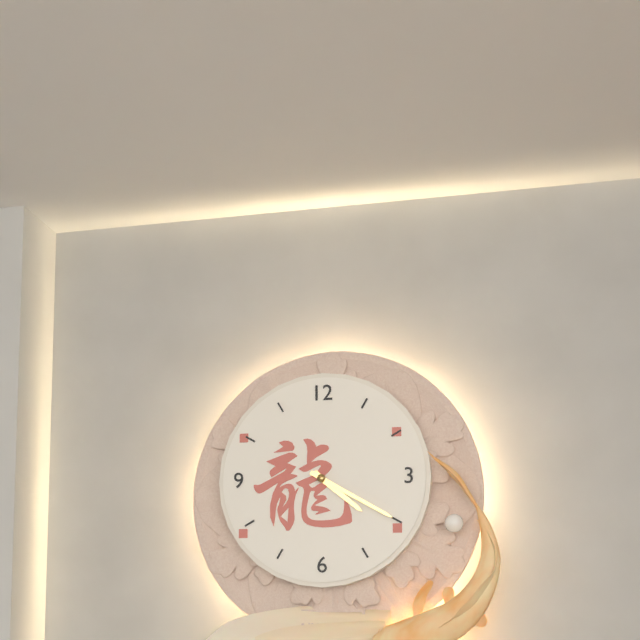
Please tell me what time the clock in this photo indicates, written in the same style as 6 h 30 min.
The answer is 4 h 20 min
